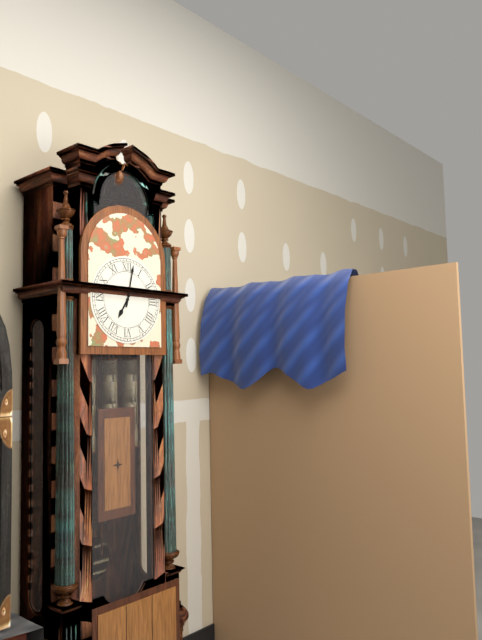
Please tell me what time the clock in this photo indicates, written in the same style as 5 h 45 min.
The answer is 7 h 02 min
